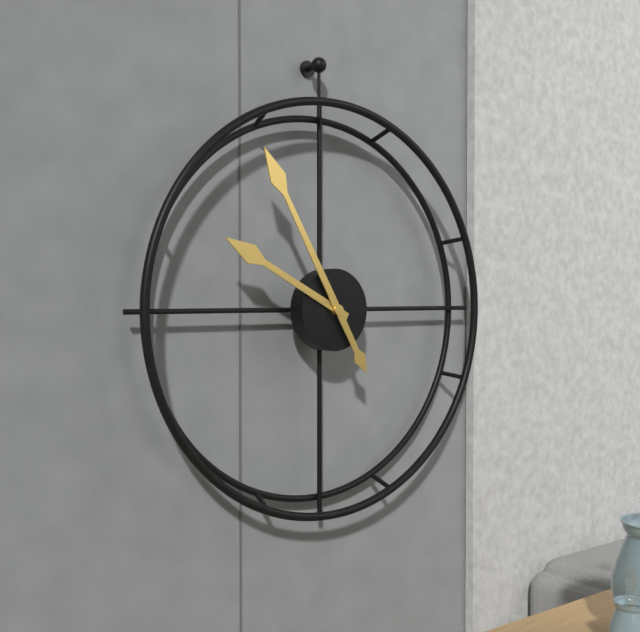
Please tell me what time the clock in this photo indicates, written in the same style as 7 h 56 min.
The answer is 9 h 55 min
